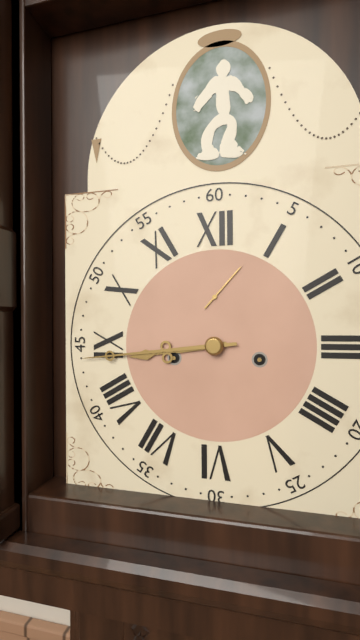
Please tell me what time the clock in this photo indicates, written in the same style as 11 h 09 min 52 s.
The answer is 8 h 44 min 07 s
